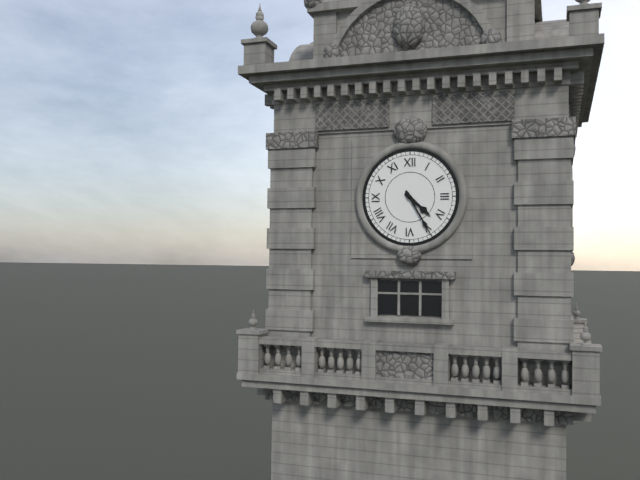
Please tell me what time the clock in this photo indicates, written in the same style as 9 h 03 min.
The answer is 4 h 25 min
